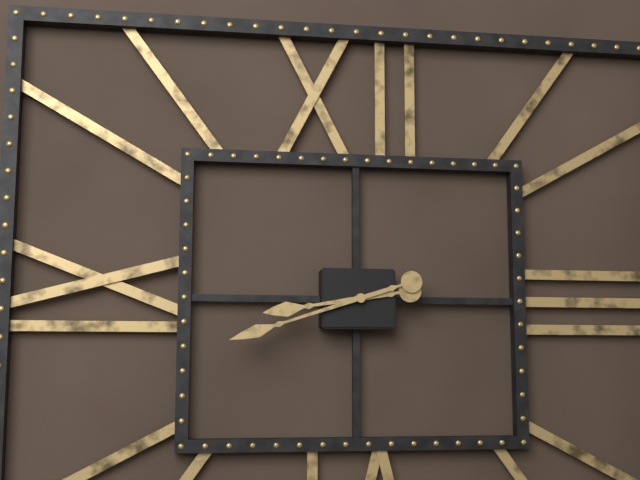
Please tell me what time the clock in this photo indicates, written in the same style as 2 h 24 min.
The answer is 8 h 42 min
